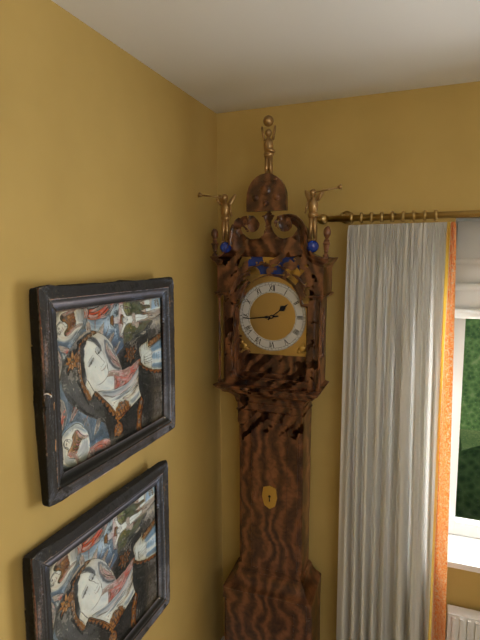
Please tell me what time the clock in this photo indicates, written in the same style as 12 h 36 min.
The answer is 1 h 44 min
